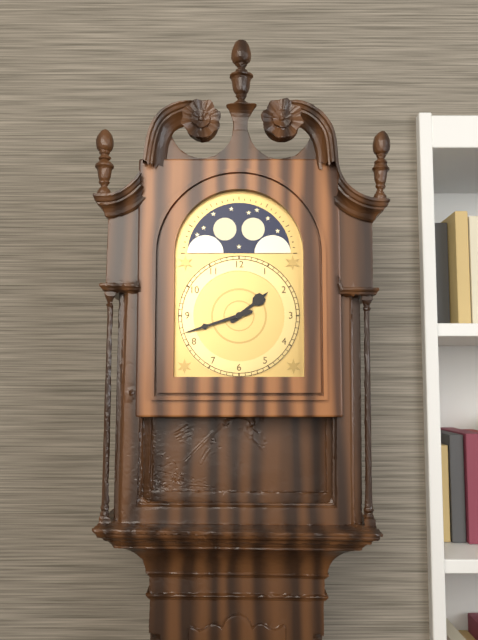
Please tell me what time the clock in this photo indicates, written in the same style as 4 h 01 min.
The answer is 1 h 42 min
